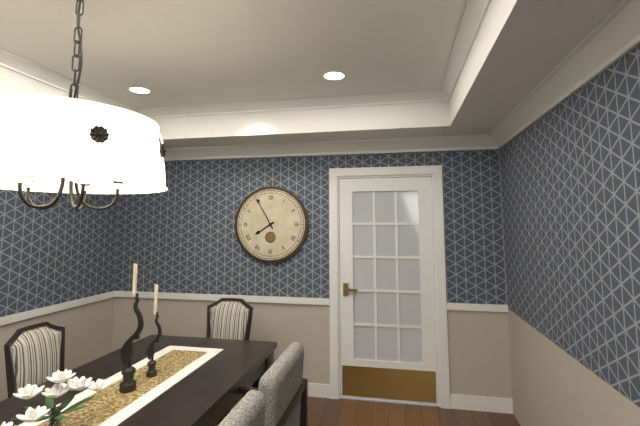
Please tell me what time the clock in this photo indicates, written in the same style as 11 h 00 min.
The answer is 7 h 55 min
